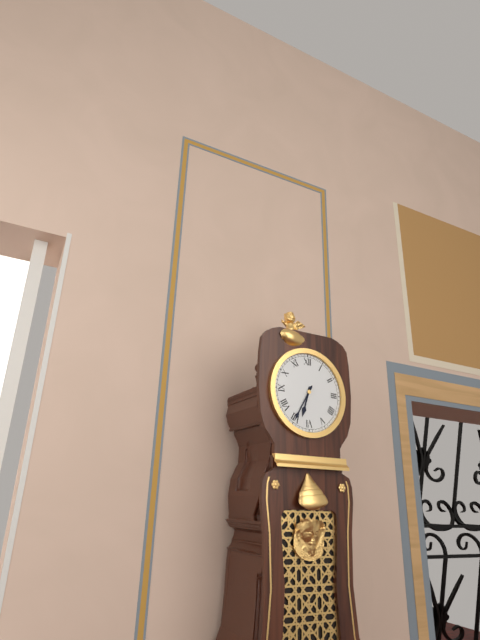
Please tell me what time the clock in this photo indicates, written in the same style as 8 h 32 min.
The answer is 6 h 35 min
